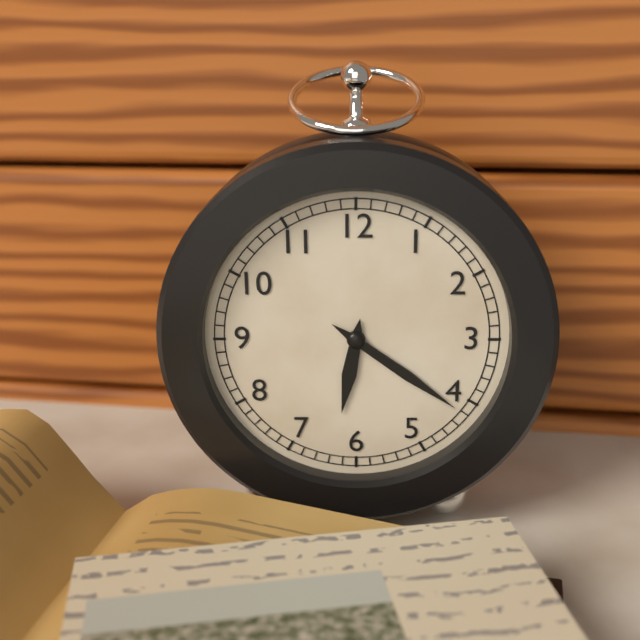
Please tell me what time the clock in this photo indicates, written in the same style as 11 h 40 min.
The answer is 6 h 21 min
